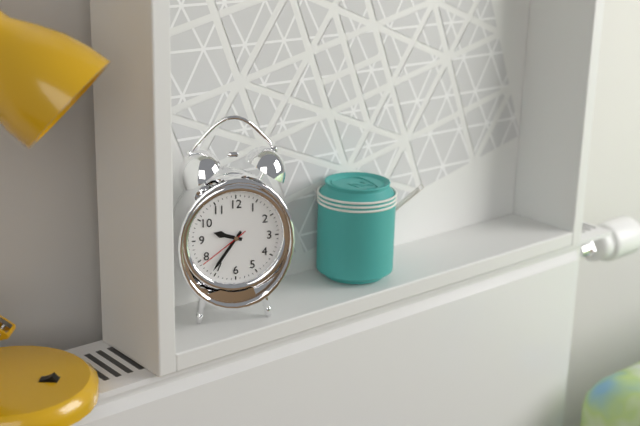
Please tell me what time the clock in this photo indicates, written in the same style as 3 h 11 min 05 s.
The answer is 9 h 36 min 39 s
